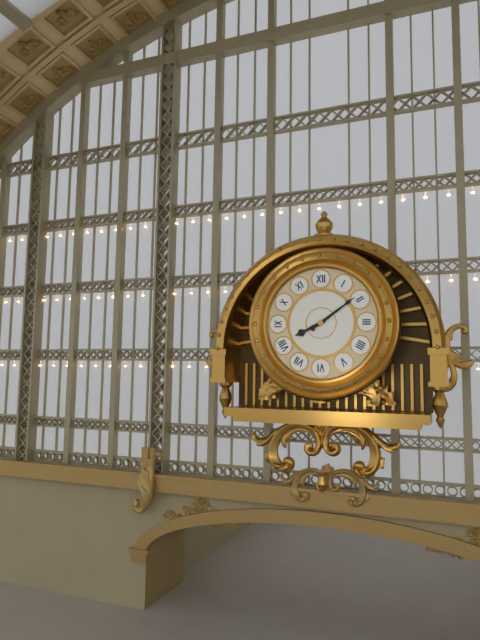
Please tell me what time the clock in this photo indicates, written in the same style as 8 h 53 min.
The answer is 8 h 09 min
